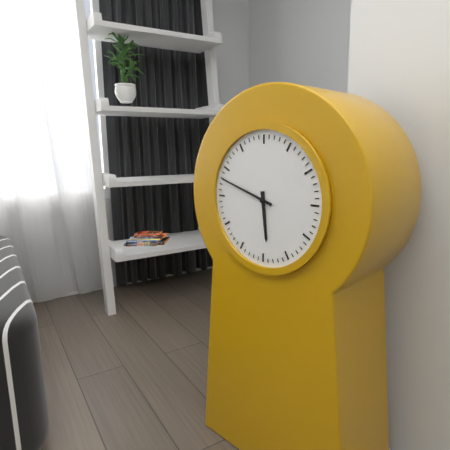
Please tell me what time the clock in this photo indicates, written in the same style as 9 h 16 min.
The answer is 5 h 48 min
